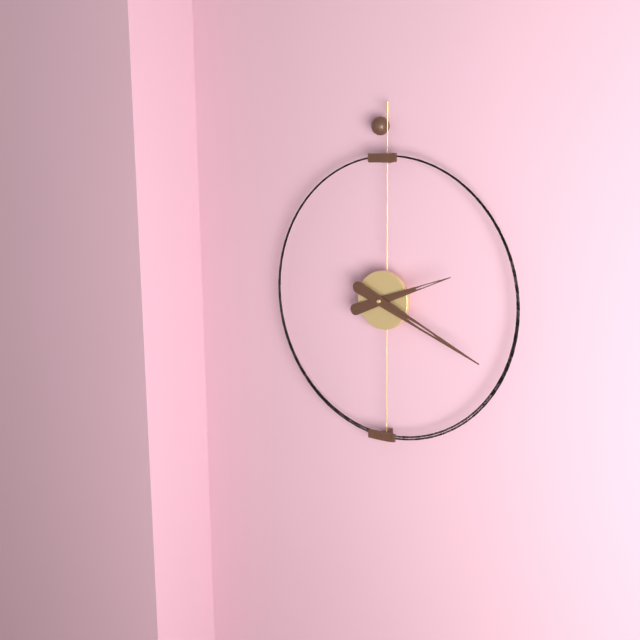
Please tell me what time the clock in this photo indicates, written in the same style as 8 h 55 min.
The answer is 2 h 19 min
